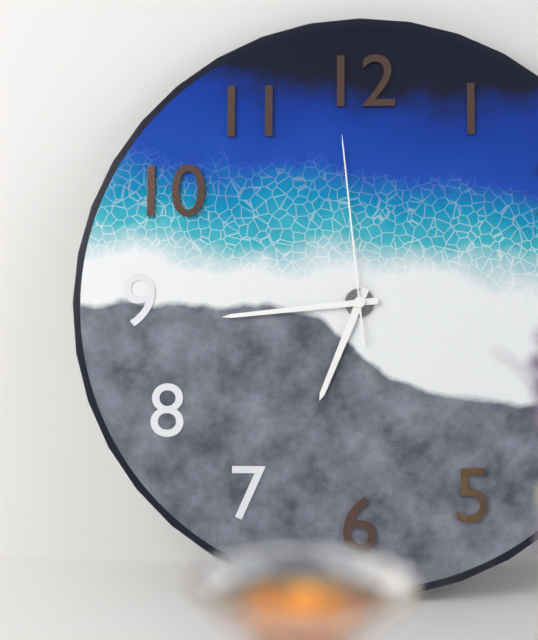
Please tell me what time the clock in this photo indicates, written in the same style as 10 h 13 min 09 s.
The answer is 6 h 44 min 59 s
